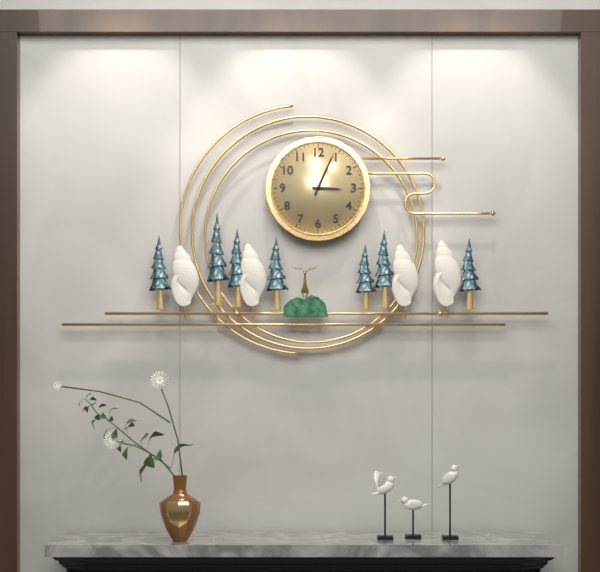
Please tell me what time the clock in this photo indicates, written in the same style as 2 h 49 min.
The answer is 3 h 04 min
